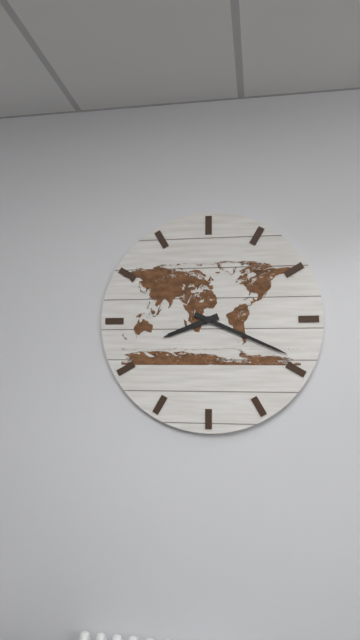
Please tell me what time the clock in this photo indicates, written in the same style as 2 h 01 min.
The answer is 8 h 19 min
